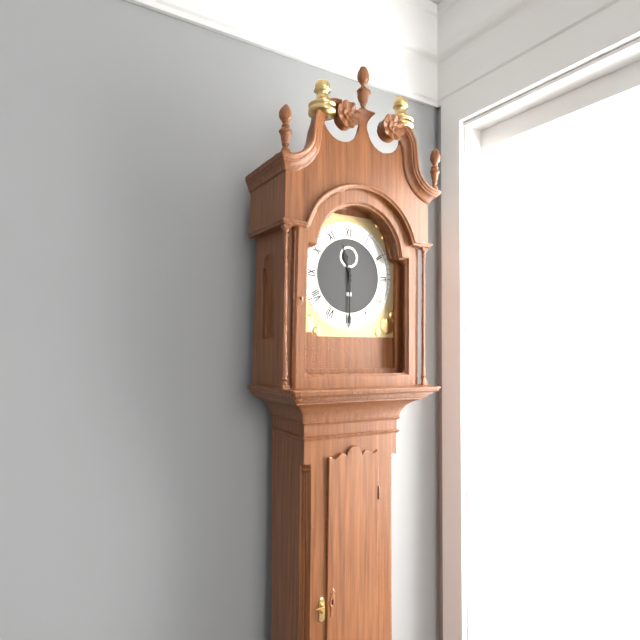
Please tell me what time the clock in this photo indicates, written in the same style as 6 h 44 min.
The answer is 11 h 30 min
